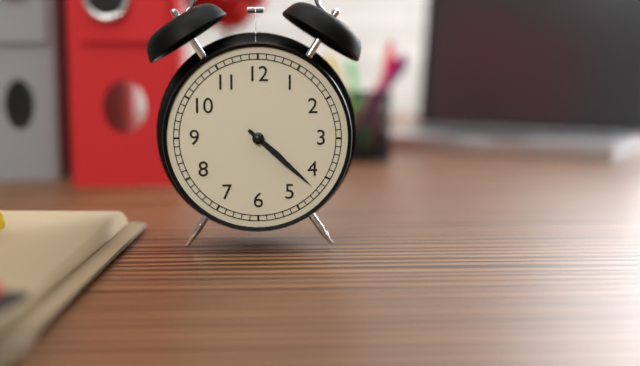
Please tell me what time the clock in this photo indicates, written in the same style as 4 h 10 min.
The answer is 4 h 22 min
